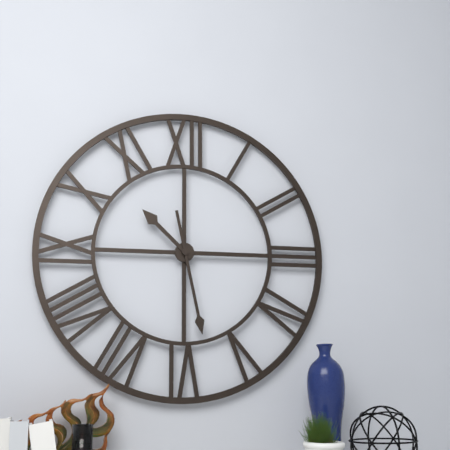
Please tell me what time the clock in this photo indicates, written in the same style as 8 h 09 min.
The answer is 10 h 28 min
